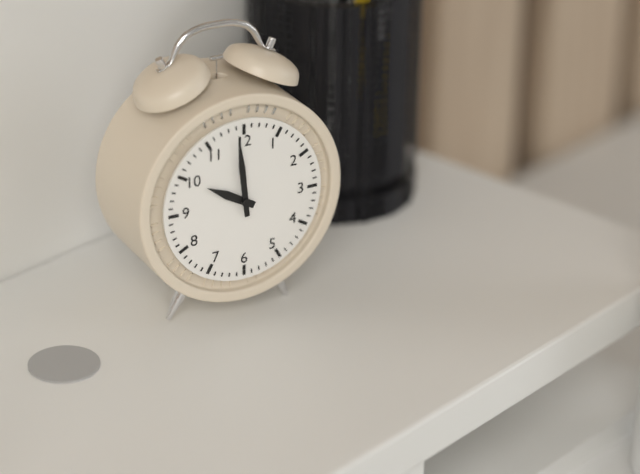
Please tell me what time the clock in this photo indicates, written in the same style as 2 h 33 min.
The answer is 9 h 59 min
